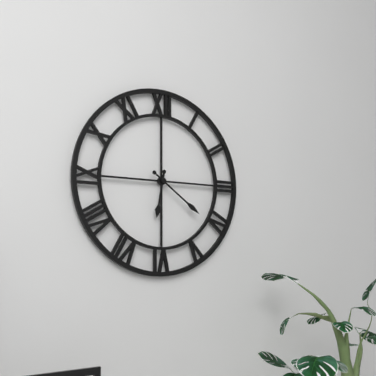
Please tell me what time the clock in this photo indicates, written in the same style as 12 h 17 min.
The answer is 6 h 21 min
